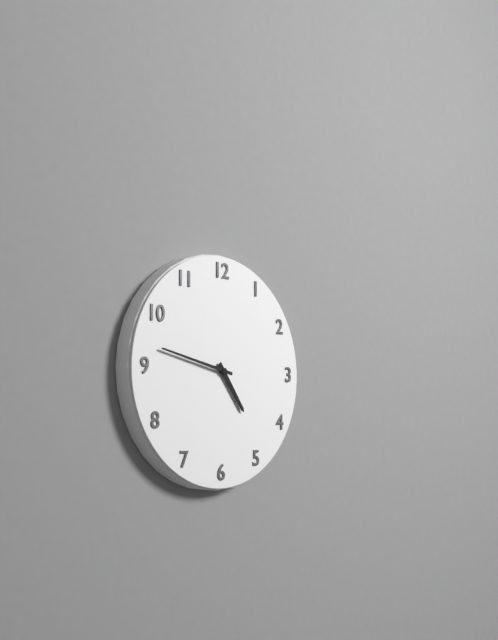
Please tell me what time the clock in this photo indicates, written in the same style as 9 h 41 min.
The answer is 4 h 47 min
